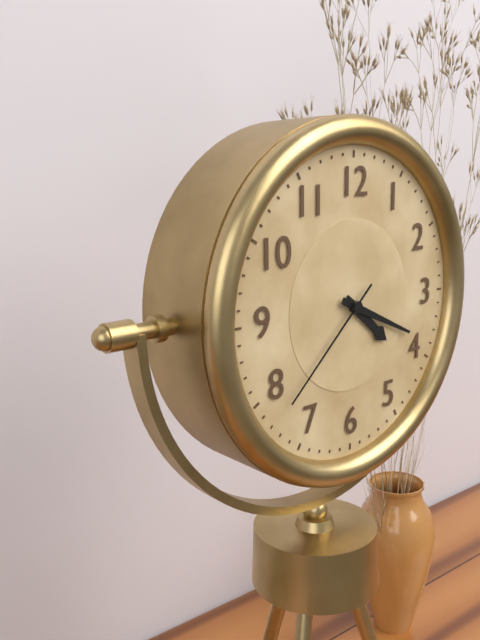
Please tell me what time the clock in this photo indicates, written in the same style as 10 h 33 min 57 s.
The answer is 4 h 19 min 38 s
